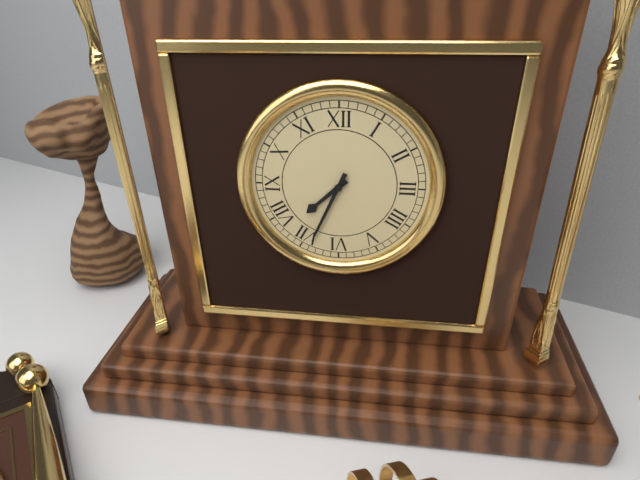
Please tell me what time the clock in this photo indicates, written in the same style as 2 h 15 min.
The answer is 7 h 34 min
